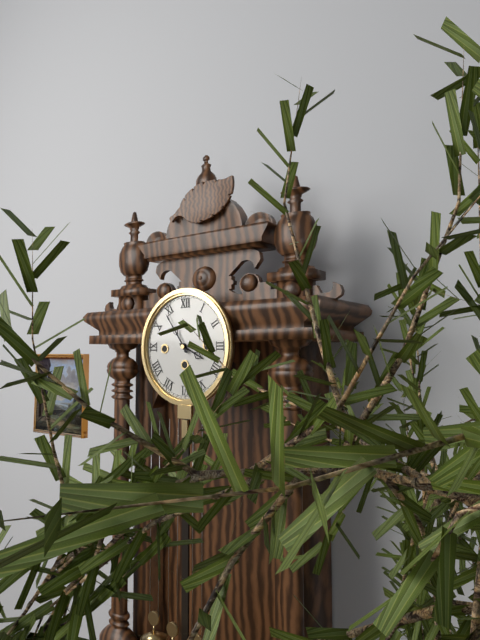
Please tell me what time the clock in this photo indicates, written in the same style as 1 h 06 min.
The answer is 3 h 54 min
